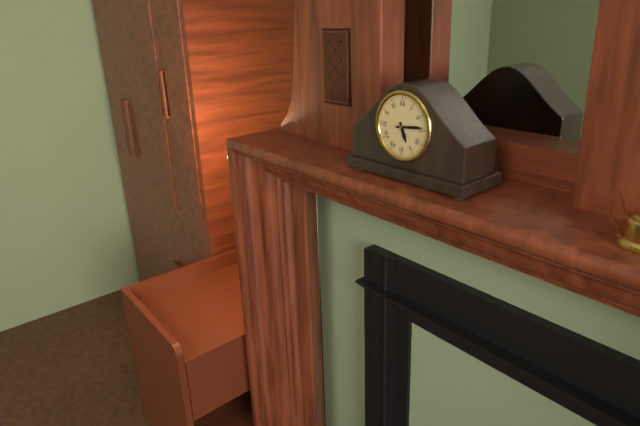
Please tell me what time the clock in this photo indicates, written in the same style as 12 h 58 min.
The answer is 5 h 14 min
